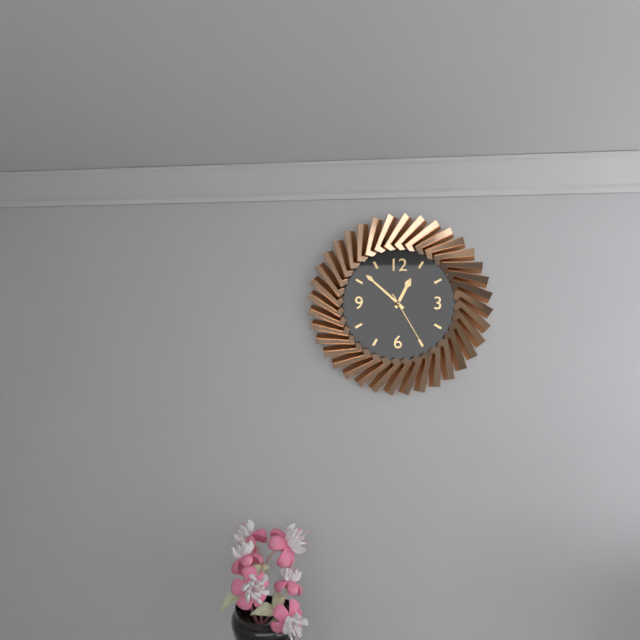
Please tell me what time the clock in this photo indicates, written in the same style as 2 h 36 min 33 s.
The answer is 12 h 52 min 25 s
